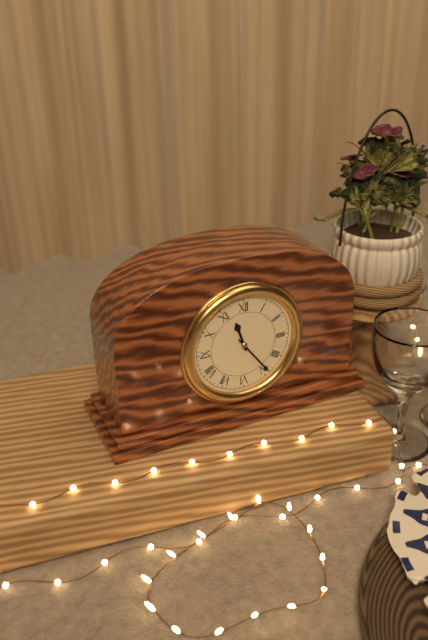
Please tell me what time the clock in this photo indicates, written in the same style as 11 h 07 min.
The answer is 11 h 24 min
